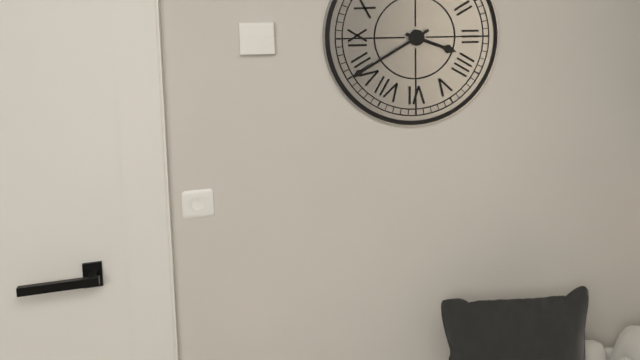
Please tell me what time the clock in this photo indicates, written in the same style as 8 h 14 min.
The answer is 3 h 40 min
